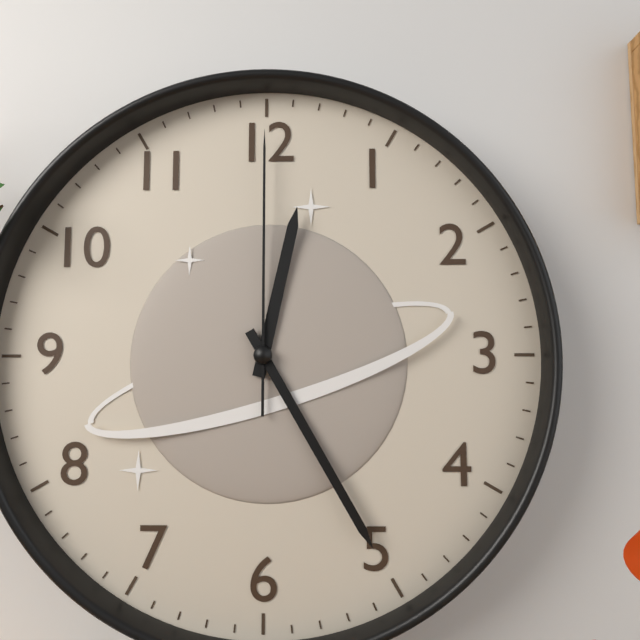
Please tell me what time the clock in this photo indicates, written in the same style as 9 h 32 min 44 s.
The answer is 12 h 25 min 00 s
